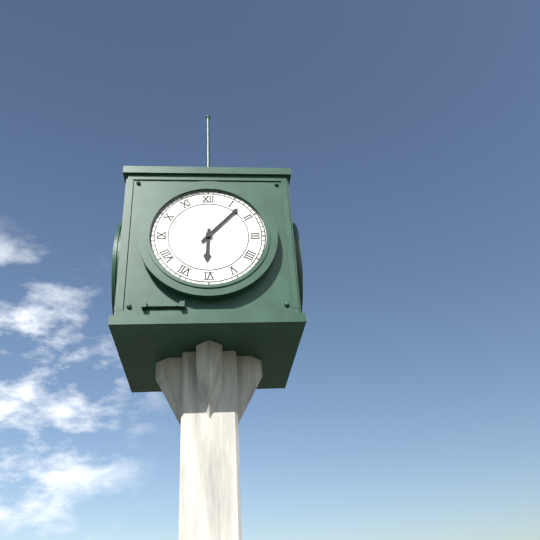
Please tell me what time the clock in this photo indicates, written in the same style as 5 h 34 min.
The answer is 6 h 07 min
